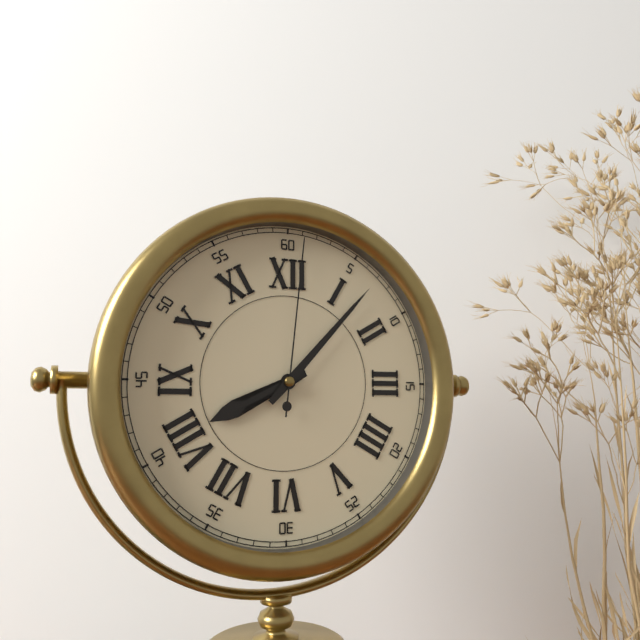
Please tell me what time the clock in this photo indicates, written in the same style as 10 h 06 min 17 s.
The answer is 8 h 07 min 01 s
